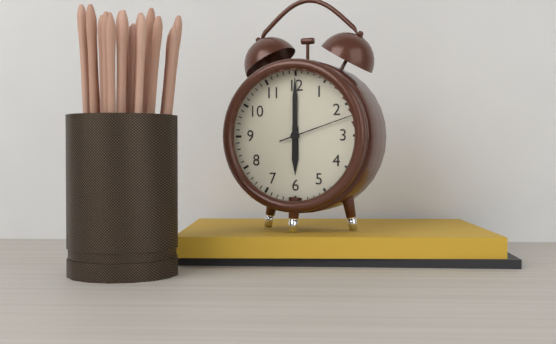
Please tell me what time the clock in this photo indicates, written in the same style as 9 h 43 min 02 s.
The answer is 6 h 00 min 12 s
